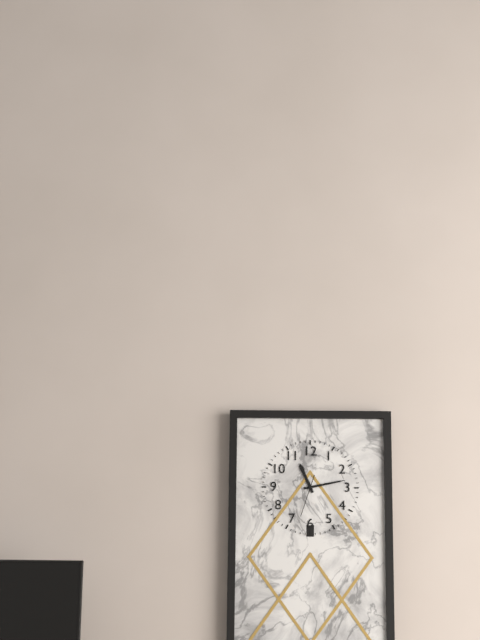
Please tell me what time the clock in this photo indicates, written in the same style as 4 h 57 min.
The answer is 11 h 13 min
